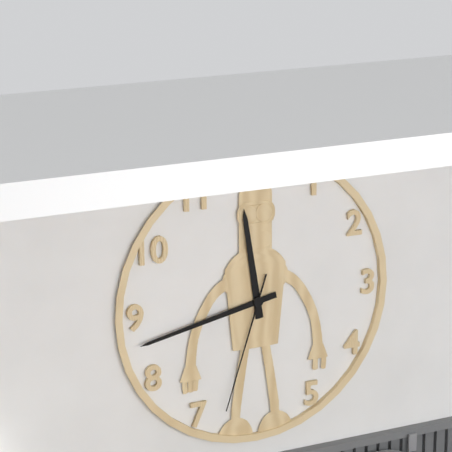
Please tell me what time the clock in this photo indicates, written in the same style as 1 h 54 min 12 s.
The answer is 11 h 43 min 33 s
